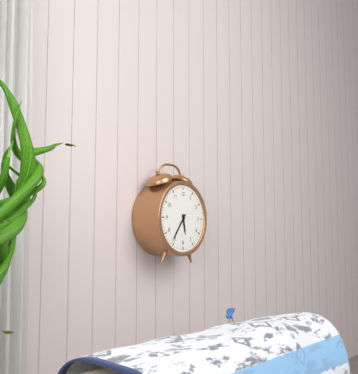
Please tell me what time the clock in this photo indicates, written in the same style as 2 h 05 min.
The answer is 5 h 36 min
